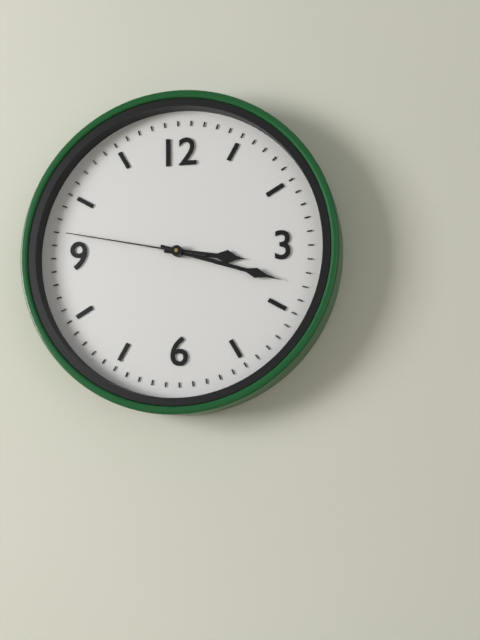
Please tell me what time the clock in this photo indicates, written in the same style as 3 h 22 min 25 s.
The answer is 3 h 18 min 47 s
